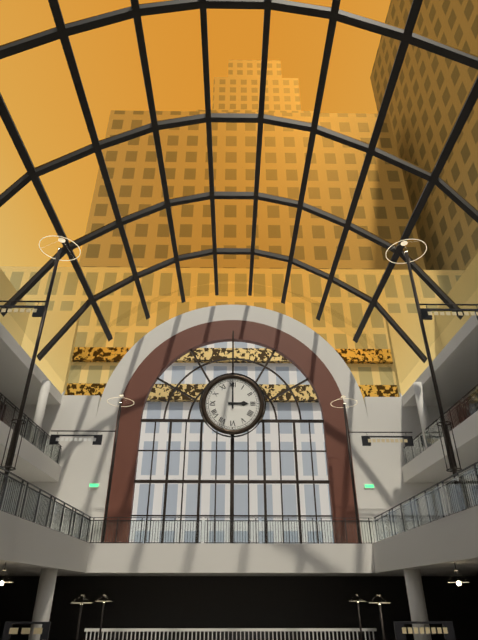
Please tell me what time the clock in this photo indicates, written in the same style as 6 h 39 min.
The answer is 3 h 00 min
